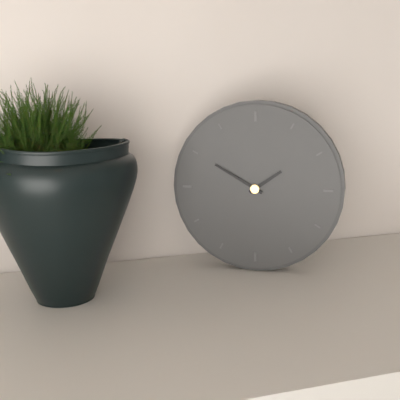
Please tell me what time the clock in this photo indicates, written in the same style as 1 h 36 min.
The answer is 1 h 50 min
